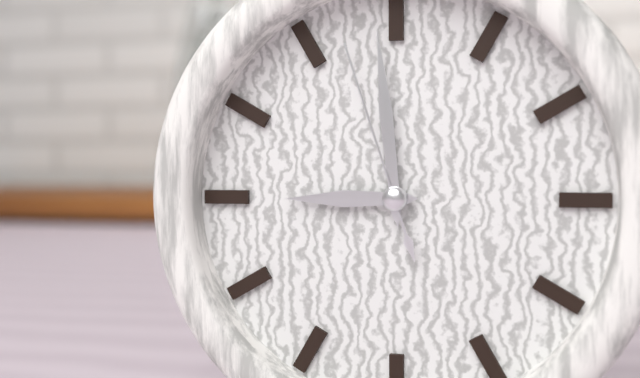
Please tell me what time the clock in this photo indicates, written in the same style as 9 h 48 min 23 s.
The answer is 8 h 59 min 57 s
